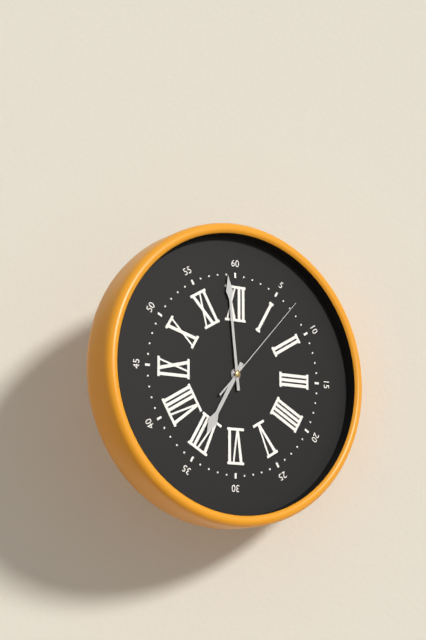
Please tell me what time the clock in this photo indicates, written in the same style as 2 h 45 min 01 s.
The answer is 6 h 59 min 07 s
